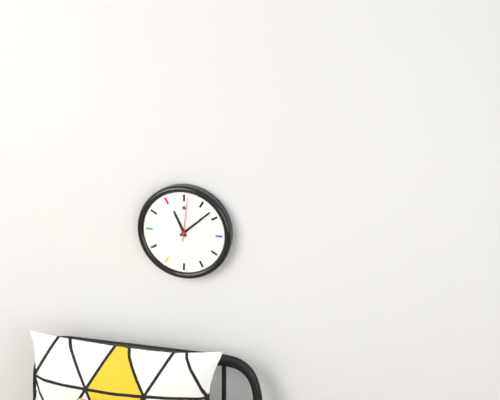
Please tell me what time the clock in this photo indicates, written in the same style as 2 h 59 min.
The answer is 11 h 08 min
